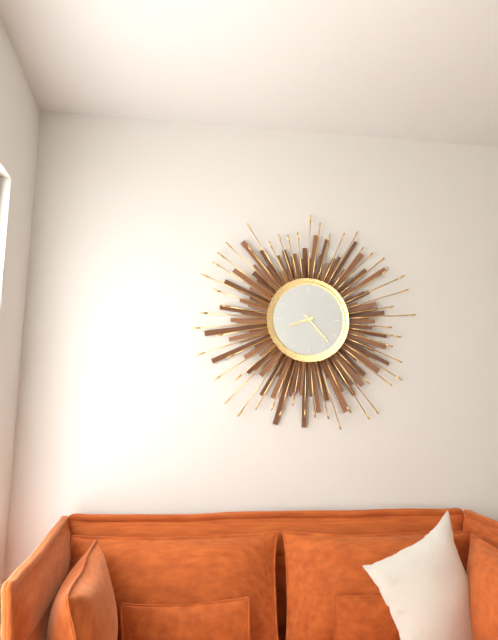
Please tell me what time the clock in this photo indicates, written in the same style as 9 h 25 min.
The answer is 8 h 23 min
